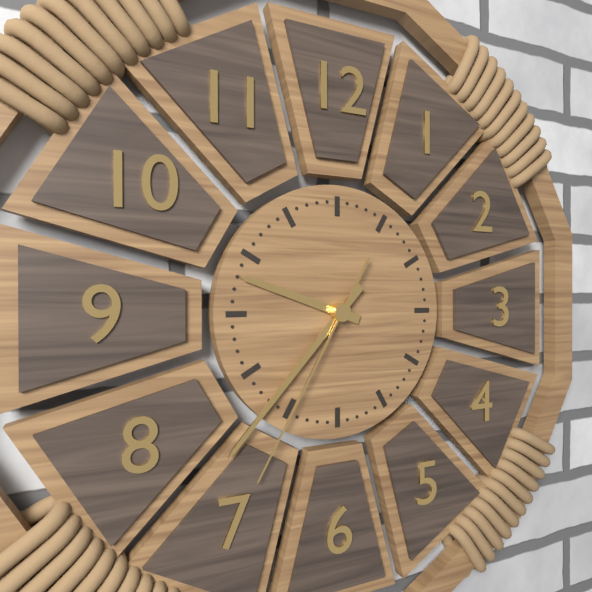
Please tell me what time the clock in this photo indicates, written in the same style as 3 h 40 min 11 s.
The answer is 9 h 37 min 35 s
